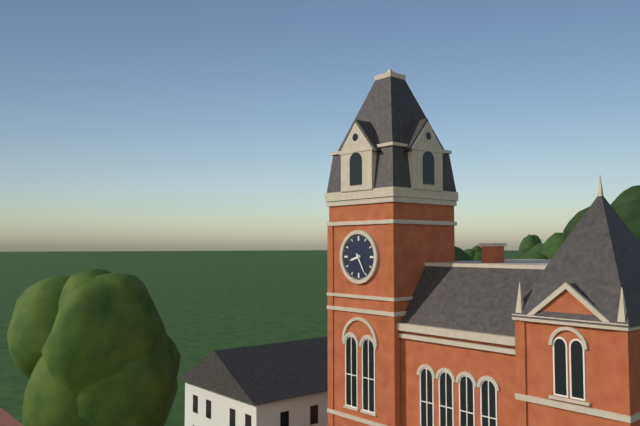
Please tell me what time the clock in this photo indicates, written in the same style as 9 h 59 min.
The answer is 8 h 25 min
